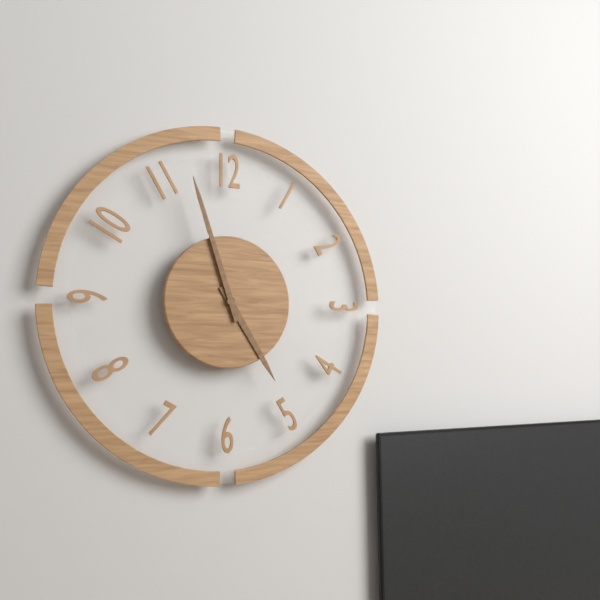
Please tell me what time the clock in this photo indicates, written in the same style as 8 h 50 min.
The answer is 4 h 57 min
